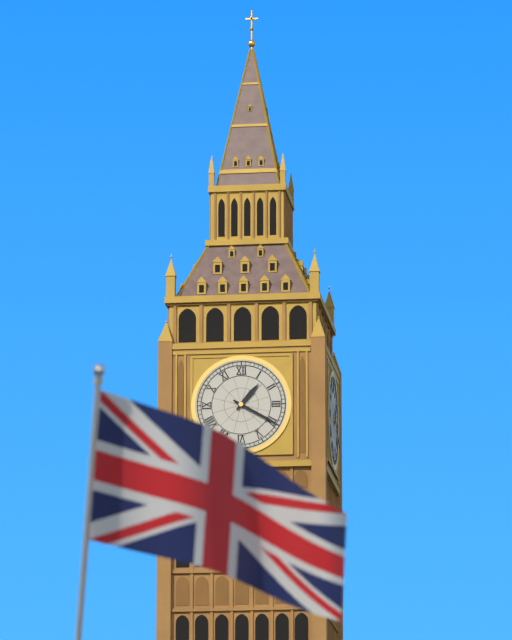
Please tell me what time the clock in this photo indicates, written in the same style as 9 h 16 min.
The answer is 1 h 20 min
